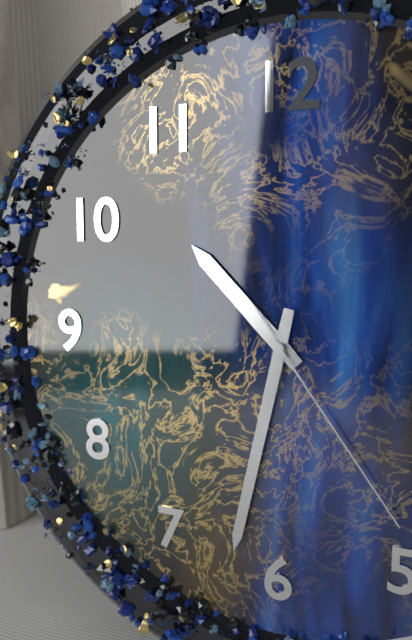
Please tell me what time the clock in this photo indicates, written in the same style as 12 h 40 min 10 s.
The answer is 10 h 32 min 24 s
